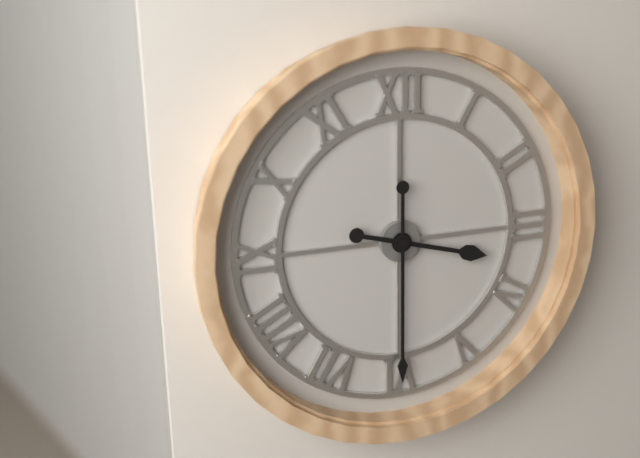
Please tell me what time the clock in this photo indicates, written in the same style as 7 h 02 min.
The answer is 3 h 30 min
